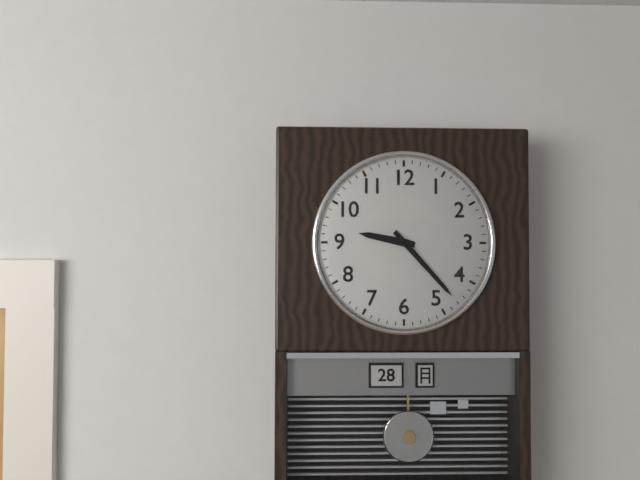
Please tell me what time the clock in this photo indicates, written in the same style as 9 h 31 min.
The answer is 9 h 23 min
